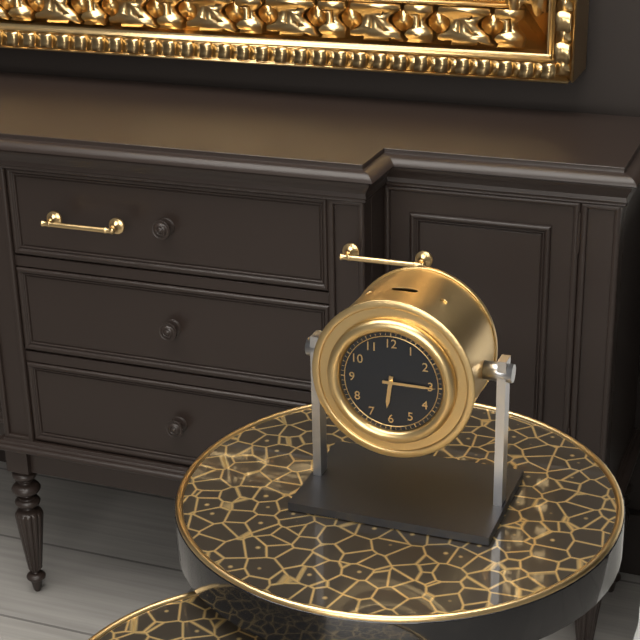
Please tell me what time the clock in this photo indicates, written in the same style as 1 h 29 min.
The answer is 6 h 15 min
